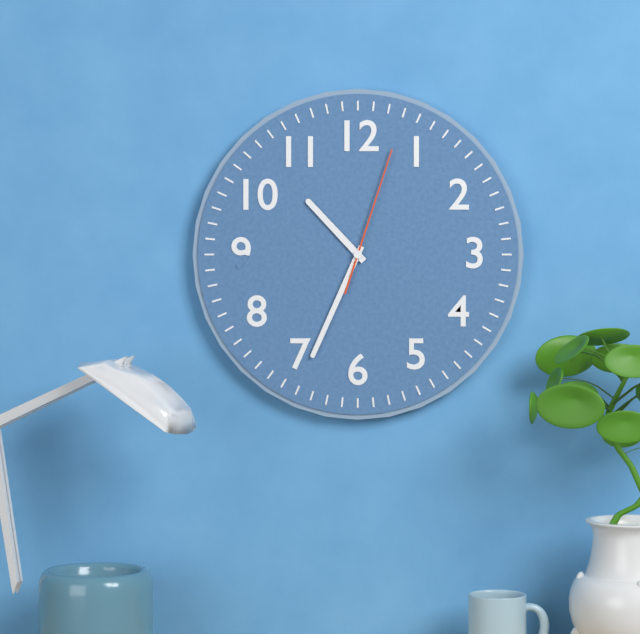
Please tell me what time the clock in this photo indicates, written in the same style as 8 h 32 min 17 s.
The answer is 10 h 34 min 03 s
